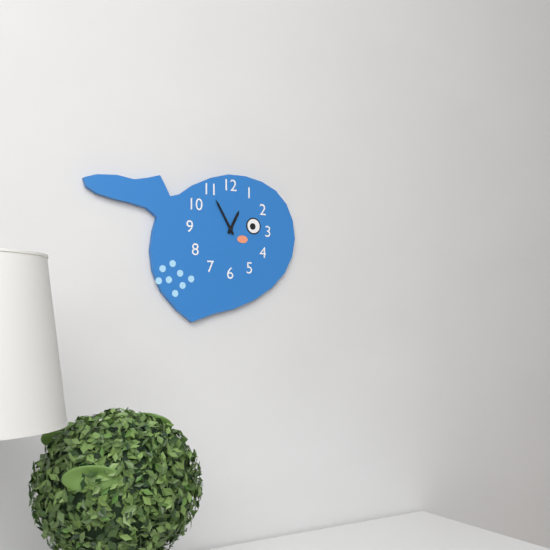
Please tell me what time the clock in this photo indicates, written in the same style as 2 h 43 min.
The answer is 12 h 55 min
